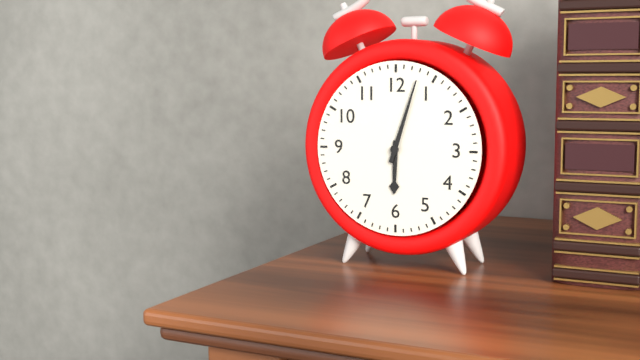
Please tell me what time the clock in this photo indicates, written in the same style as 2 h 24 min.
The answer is 6 h 03 min
